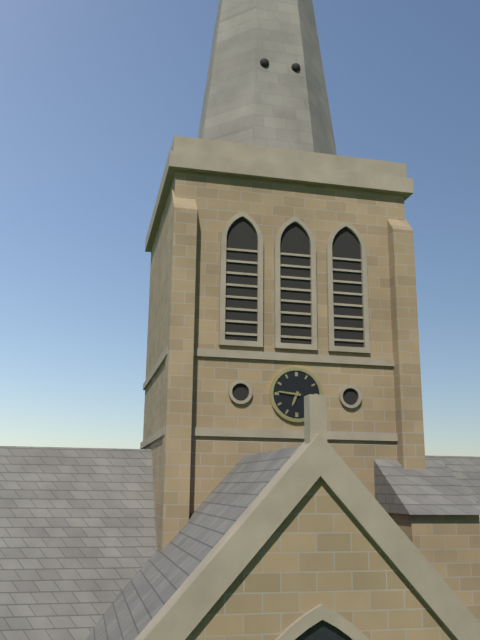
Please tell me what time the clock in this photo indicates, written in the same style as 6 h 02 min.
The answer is 6 h 46 min
